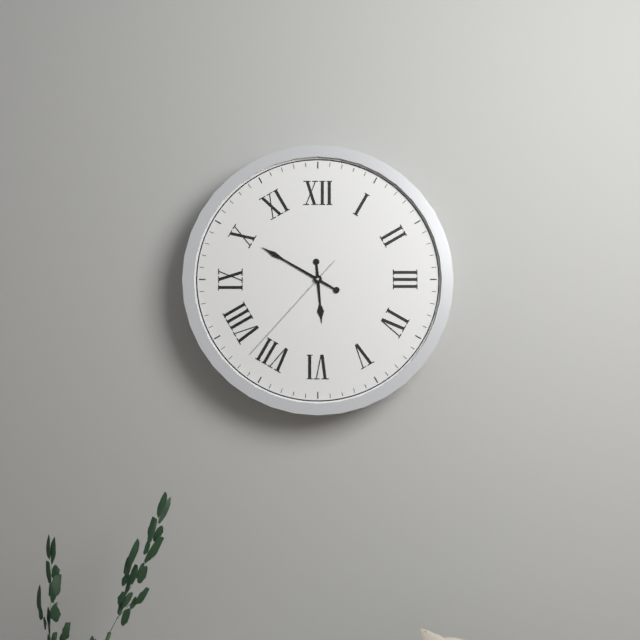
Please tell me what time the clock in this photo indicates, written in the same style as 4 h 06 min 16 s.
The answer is 5 h 50 min 37 s
